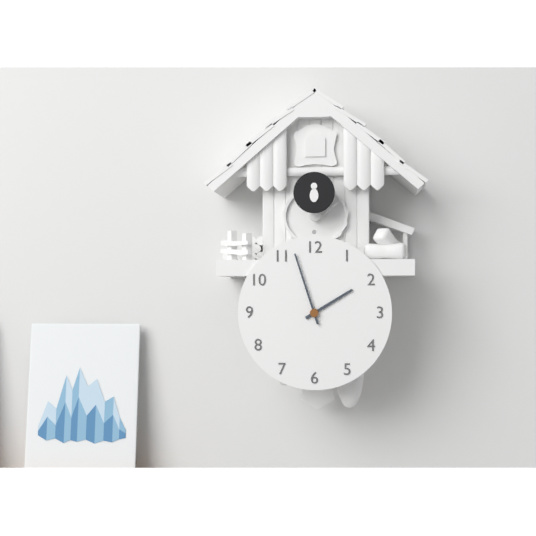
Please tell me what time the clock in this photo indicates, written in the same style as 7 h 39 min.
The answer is 1 h 57 min
